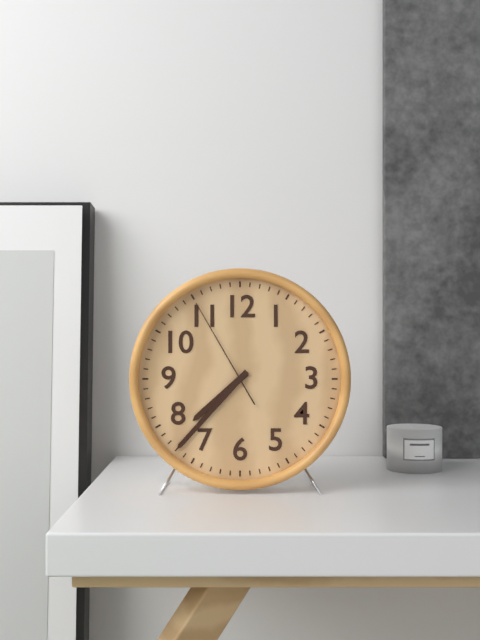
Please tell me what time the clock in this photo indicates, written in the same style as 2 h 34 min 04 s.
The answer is 7 h 37 min 55 s
